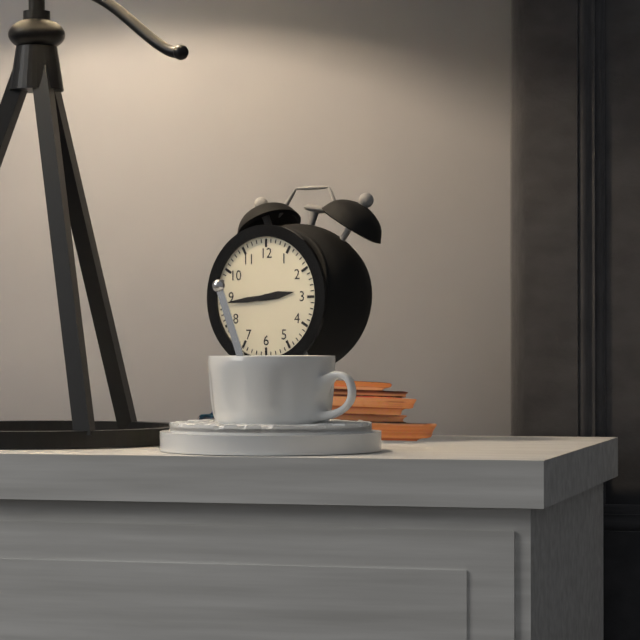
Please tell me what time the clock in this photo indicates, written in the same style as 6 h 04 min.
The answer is 2 h 44 min
